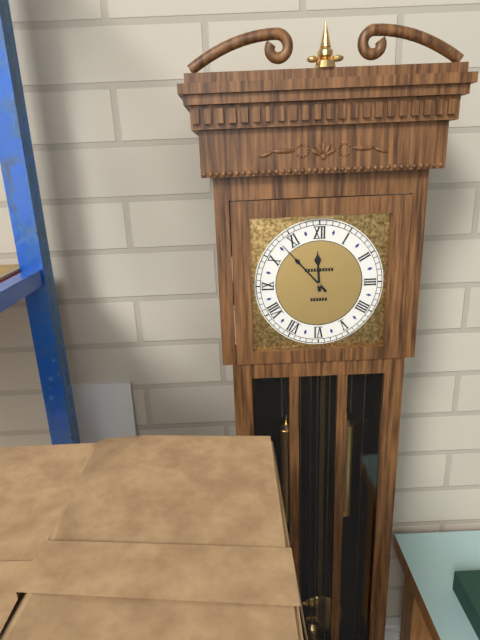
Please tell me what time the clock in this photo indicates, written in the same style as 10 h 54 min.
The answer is 11 h 53 min
